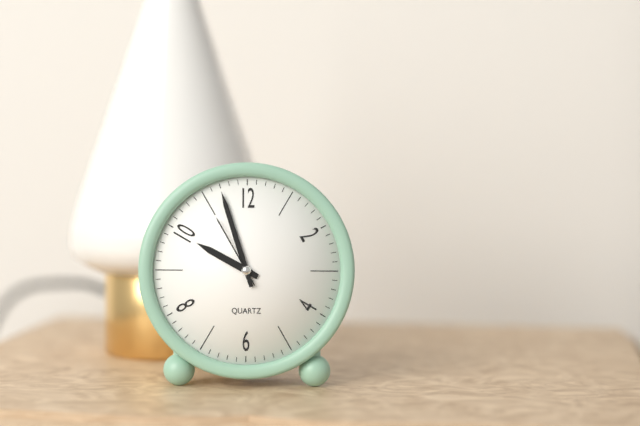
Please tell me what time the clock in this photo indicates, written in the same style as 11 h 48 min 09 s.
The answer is 9 h 57 min 55 s
